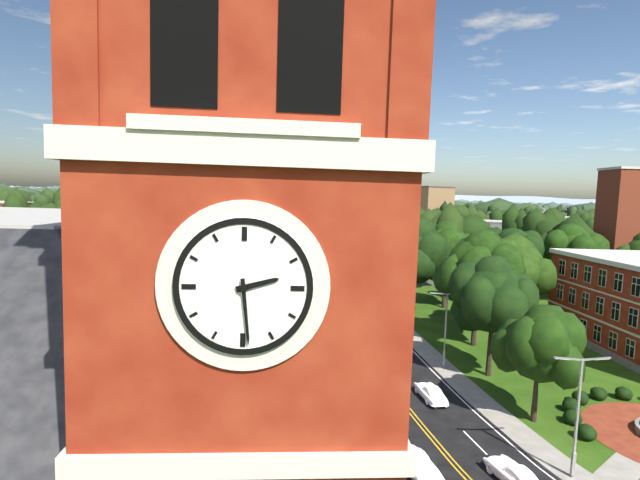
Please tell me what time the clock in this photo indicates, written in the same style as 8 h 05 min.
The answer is 2 h 29 min
